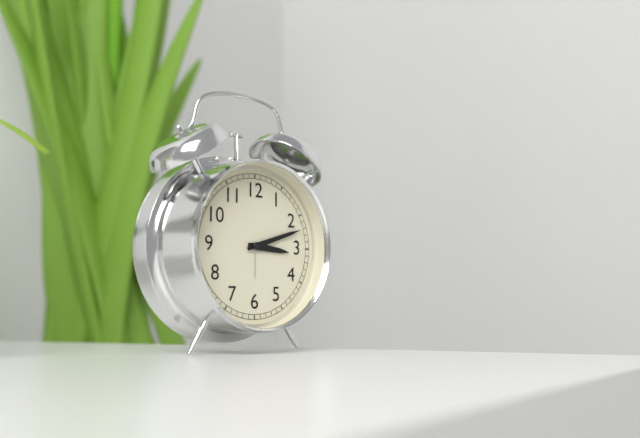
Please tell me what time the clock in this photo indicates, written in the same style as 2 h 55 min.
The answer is 3 h 12 min
